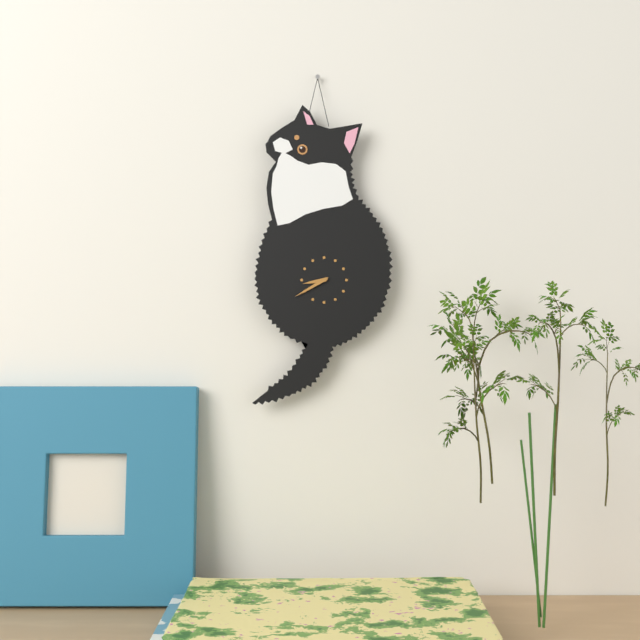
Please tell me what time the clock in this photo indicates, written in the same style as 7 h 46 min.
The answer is 8 h 40 min
